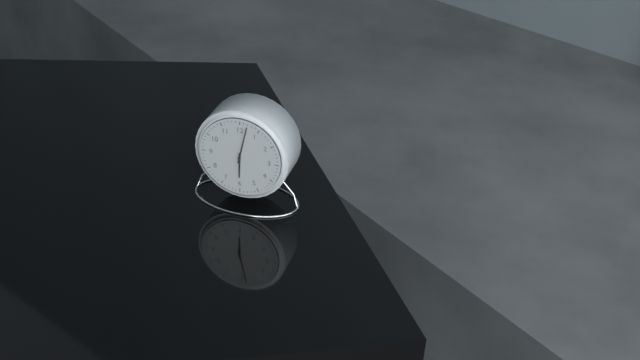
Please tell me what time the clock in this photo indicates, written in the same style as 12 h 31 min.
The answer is 6 h 02 min
